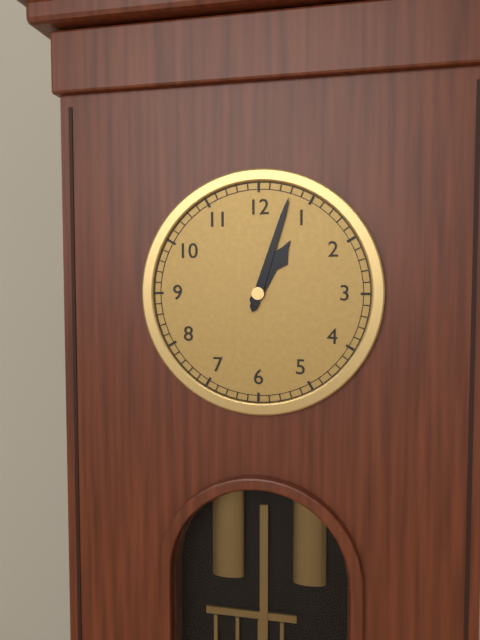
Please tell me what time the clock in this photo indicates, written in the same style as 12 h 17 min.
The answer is 1 h 03 min
